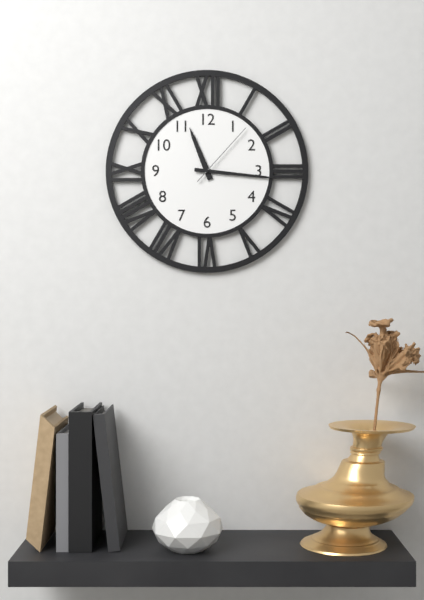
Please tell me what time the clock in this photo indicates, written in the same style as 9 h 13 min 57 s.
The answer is 11 h 16 min 07 s
